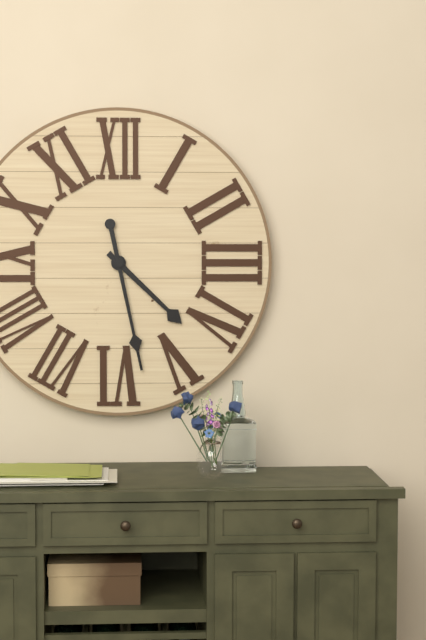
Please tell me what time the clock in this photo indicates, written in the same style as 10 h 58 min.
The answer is 4 h 28 min
